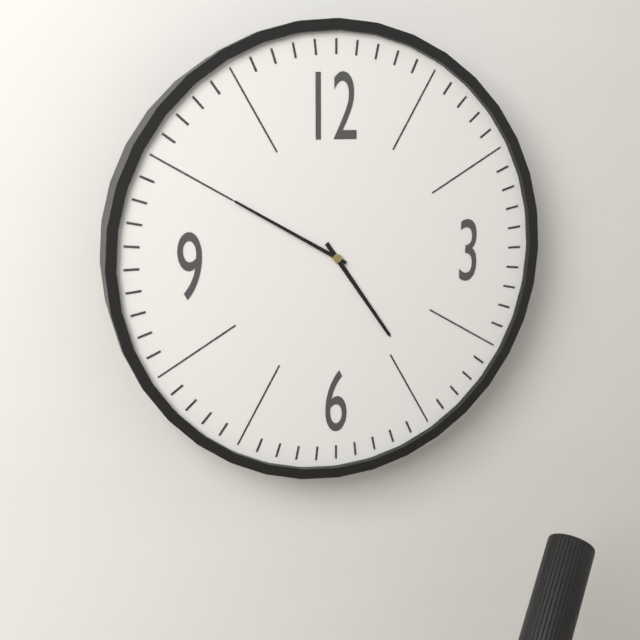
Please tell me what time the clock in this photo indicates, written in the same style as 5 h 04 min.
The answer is 4 h 50 min
